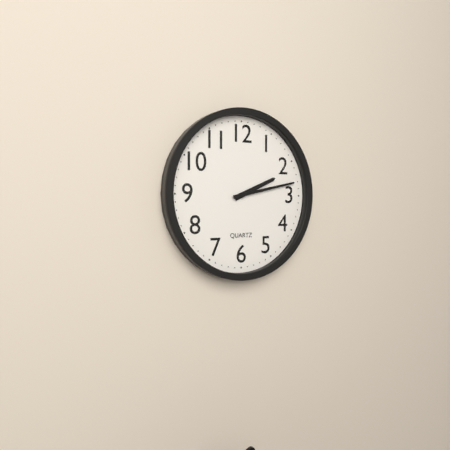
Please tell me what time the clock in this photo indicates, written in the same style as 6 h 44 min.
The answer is 2 h 13 min
